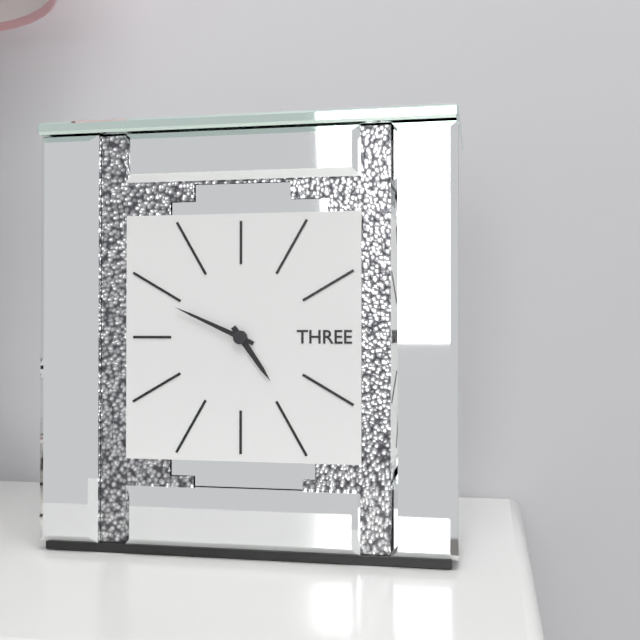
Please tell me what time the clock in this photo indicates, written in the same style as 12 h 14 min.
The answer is 4 h 49 min
